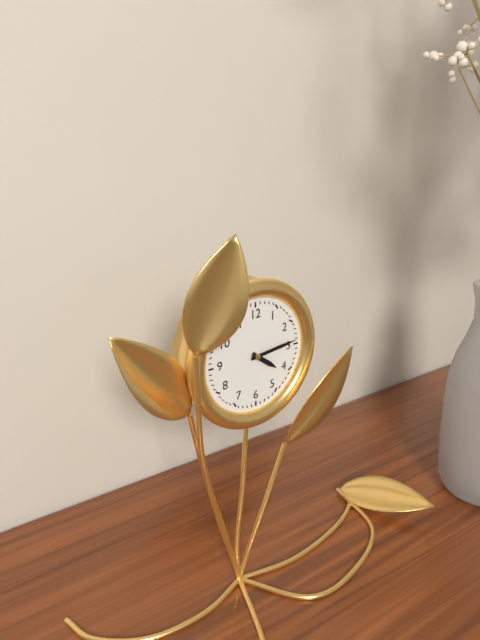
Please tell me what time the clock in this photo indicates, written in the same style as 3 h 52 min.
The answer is 4 h 14 min
